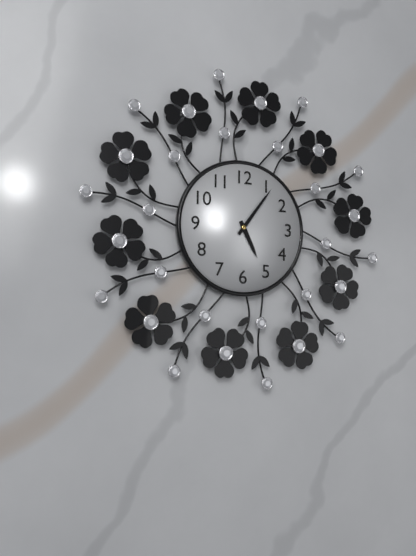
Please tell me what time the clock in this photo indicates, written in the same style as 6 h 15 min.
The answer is 5 h 06 min
